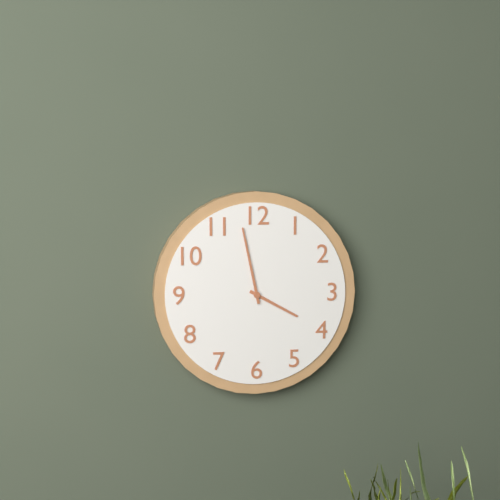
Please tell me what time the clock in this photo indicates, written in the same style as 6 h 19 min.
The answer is 3 h 58 min
